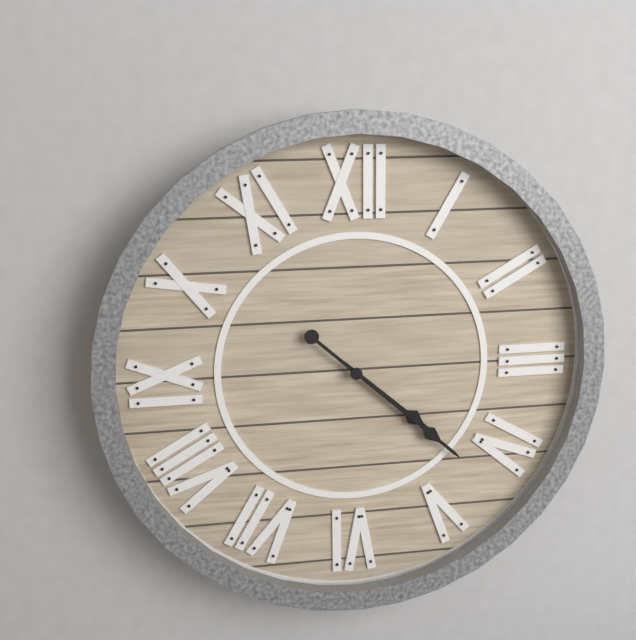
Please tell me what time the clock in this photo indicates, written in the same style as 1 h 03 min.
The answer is 4 h 22 min
